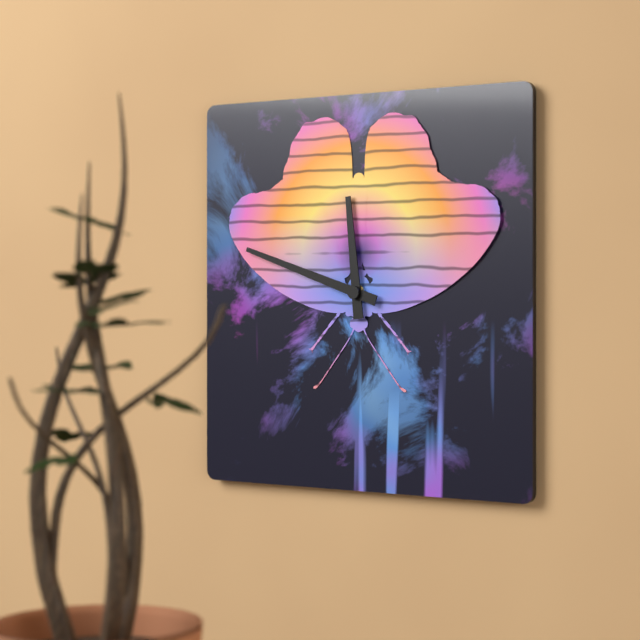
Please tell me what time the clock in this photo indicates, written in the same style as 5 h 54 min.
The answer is 11 h 48 min
